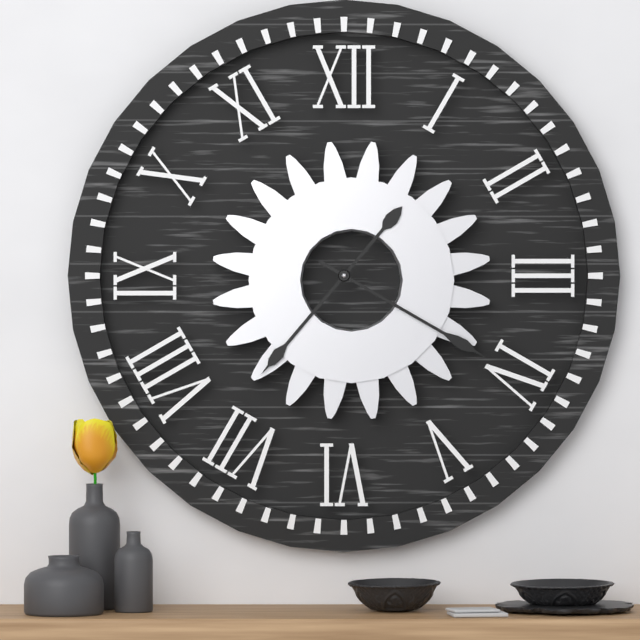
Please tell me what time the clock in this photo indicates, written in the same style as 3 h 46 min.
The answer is 7 h 20 min
